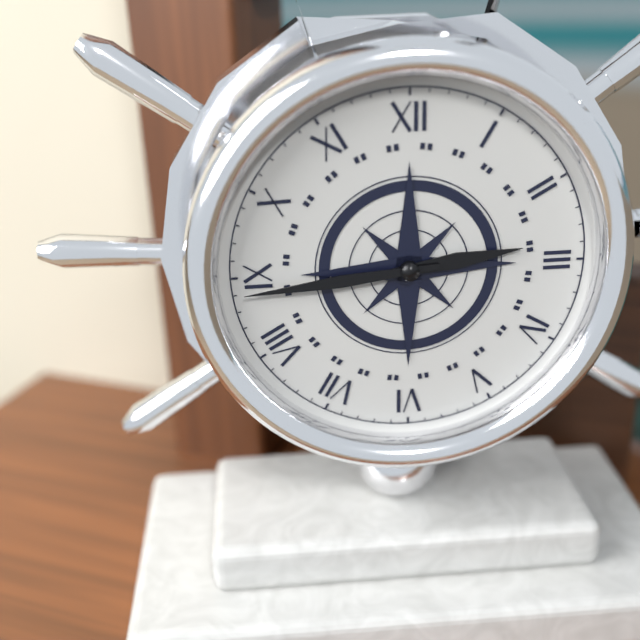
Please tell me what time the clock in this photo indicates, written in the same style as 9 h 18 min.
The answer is 2 h 44 min
